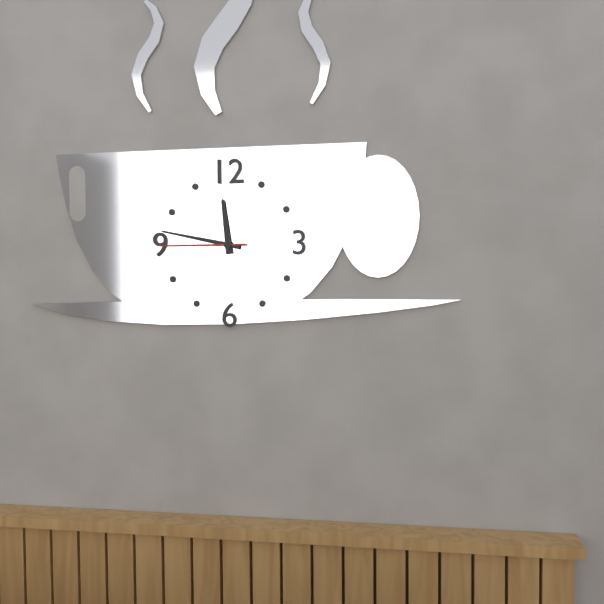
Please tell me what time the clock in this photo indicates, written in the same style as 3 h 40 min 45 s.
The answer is 11 h 47 min 45 s
